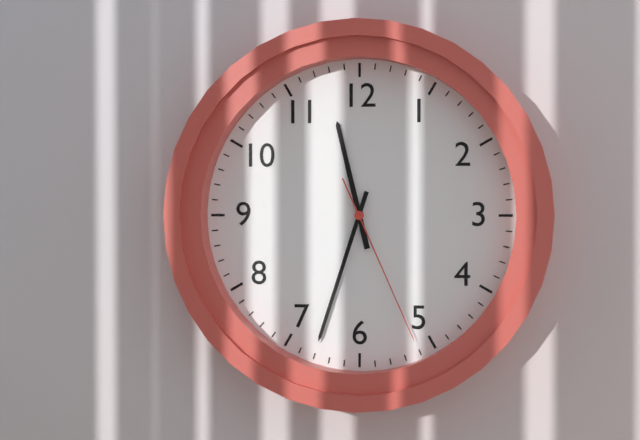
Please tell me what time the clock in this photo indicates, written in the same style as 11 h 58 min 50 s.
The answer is 11 h 33 min 26 s
